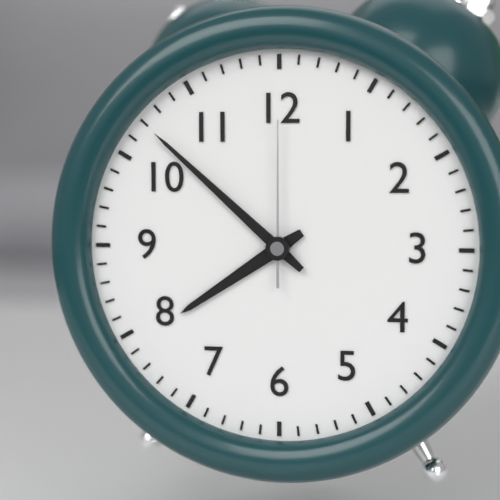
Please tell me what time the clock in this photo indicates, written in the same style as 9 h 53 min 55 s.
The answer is 7 h 52 min 00 s
